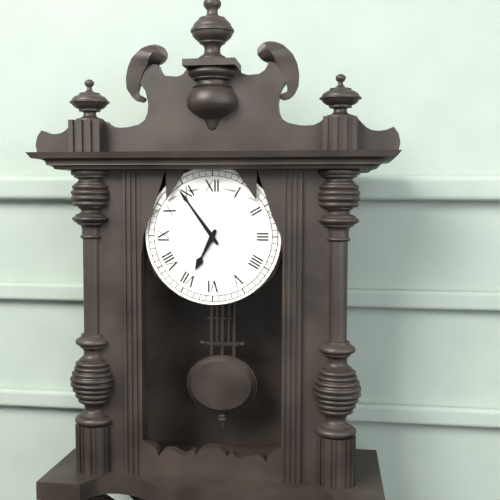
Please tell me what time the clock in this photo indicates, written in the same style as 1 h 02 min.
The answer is 6 h 54 min
